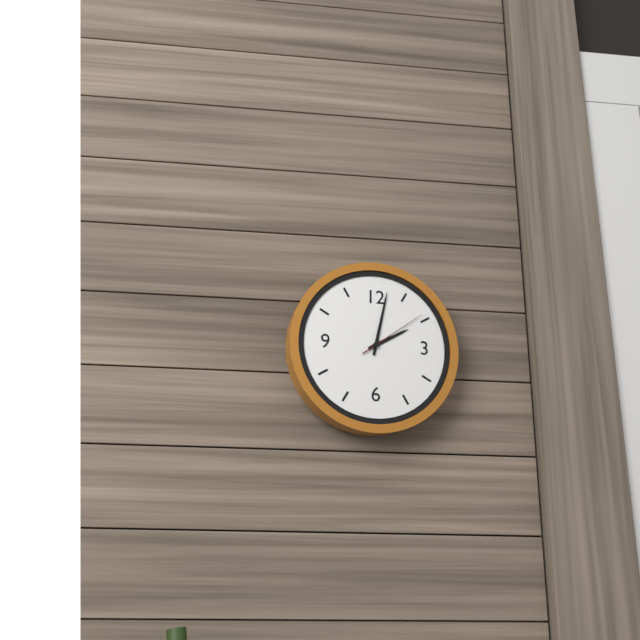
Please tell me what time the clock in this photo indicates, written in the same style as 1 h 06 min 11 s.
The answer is 2 h 02 min 09 s
